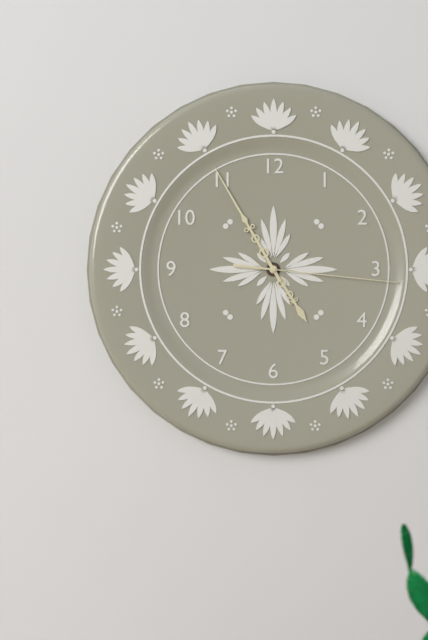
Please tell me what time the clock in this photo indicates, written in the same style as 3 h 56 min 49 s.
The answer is 4 h 55 min 16 s
